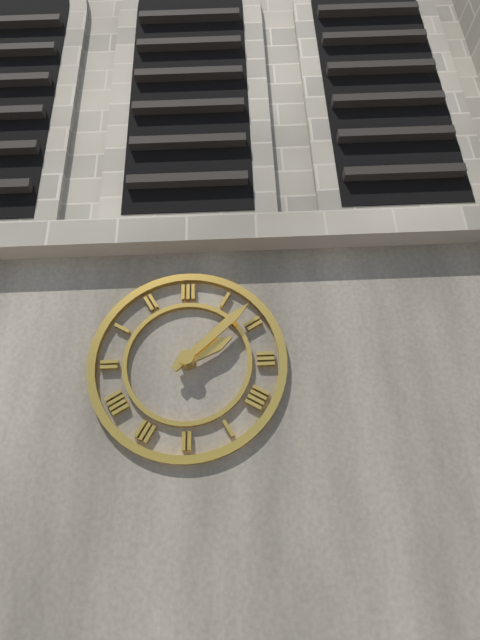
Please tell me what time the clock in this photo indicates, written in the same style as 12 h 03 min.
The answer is 2 h 08 min
